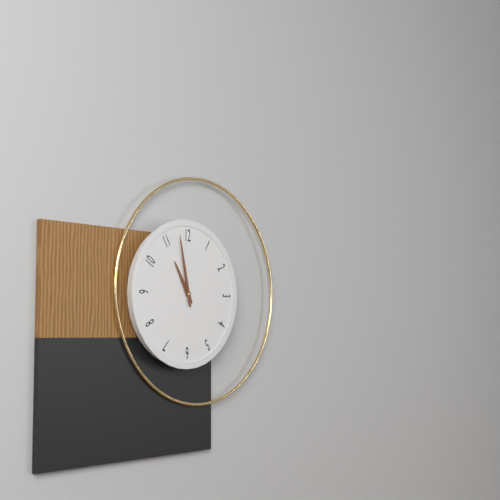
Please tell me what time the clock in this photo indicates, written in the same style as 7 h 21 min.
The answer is 10 h 58 min
